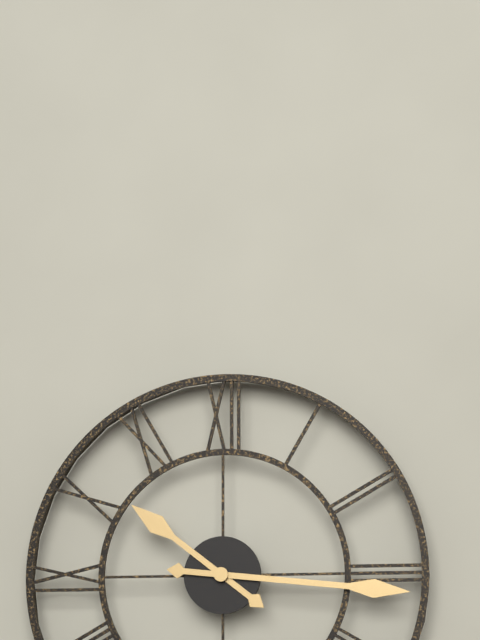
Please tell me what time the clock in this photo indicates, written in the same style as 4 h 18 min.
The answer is 10 h 16 min
